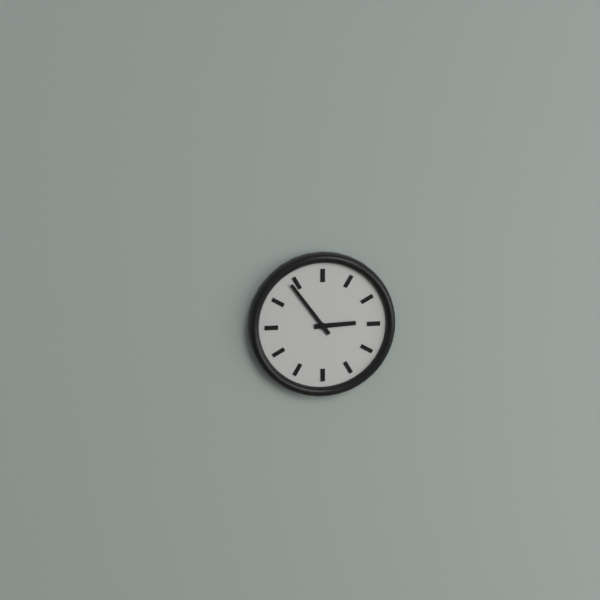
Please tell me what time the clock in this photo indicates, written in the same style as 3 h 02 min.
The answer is 2 h 54 min
